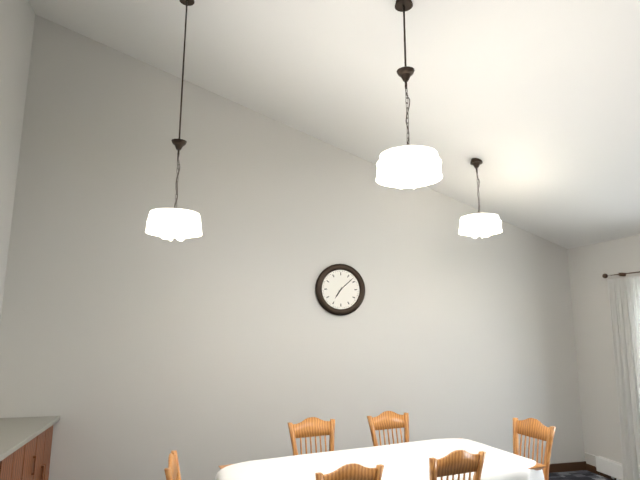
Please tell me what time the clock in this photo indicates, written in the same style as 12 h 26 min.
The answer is 7 h 08 min
